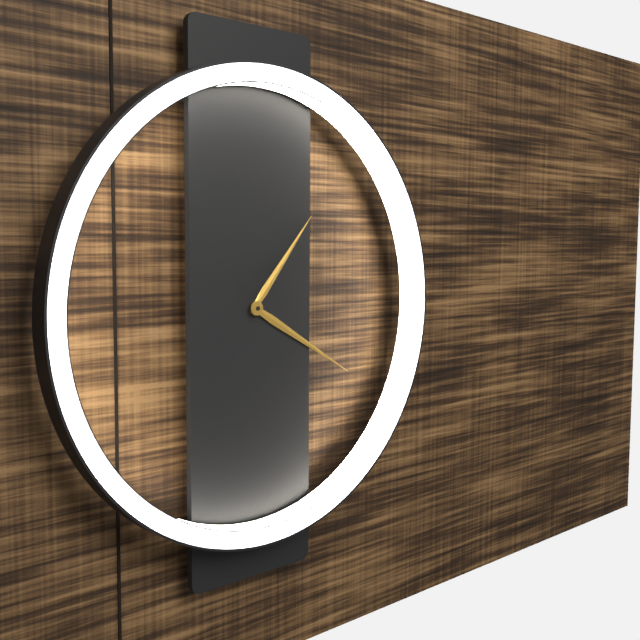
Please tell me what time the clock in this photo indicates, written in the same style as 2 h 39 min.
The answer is 1 h 20 min
